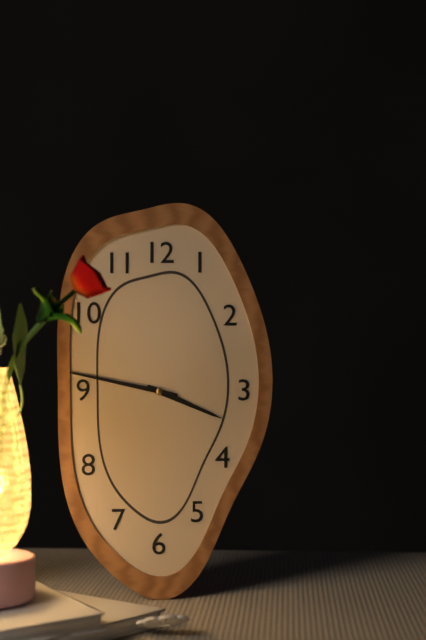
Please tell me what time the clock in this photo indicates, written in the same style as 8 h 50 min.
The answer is 3 h 47 min
